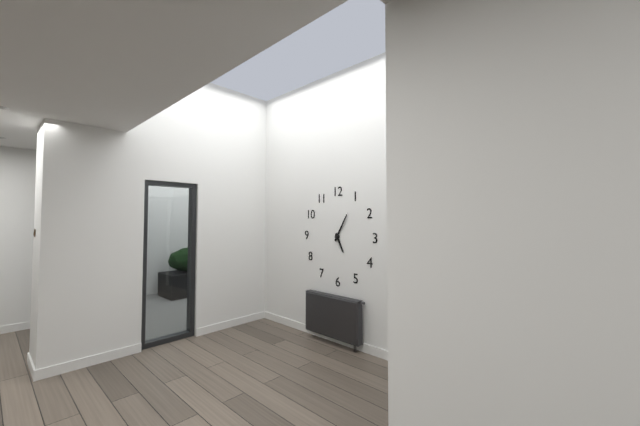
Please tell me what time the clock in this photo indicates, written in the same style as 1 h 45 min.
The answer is 5 h 05 min
